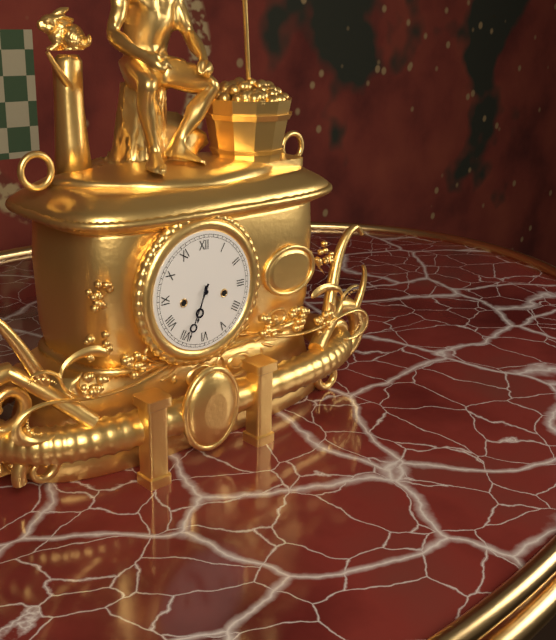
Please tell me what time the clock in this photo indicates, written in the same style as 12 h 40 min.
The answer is 6 h 34 min
